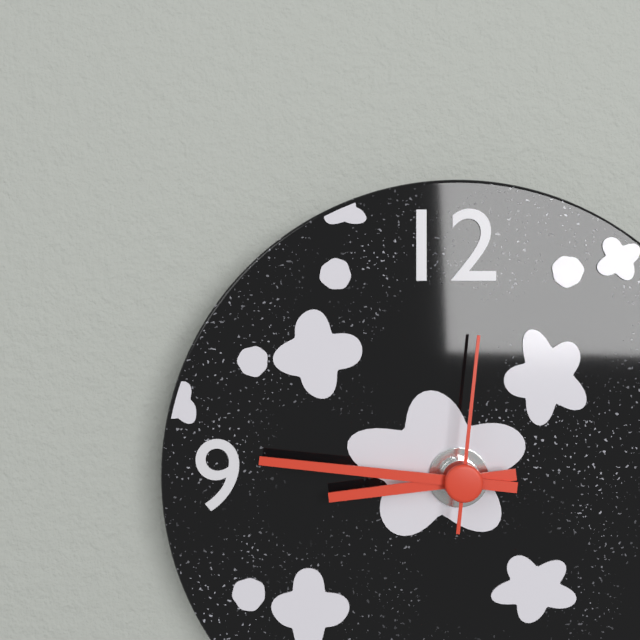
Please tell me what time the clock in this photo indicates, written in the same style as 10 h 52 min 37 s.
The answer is 8 h 46 min 01 s
